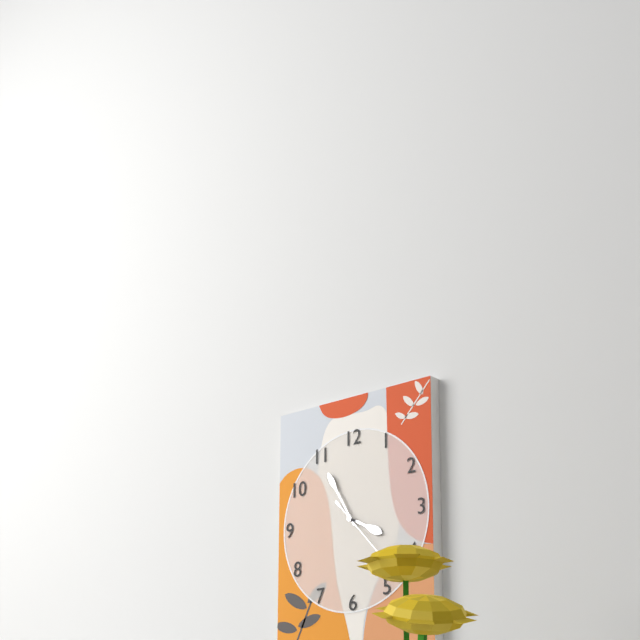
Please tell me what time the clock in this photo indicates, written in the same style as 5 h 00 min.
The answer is 3 h 55 min
